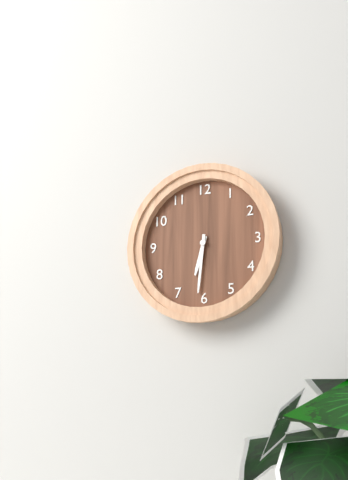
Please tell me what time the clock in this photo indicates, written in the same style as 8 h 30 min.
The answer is 6 h 31 min
